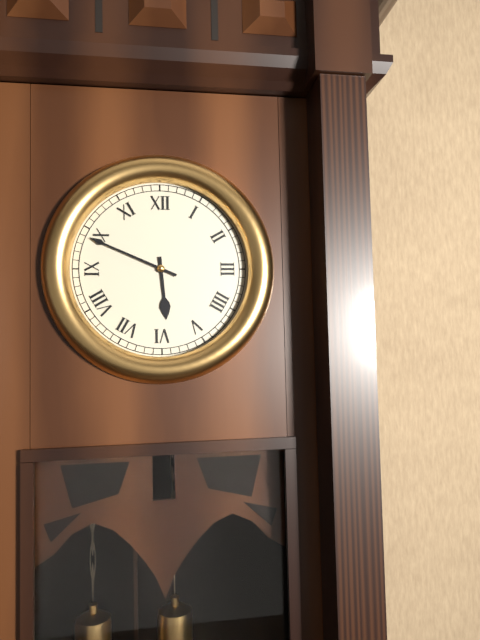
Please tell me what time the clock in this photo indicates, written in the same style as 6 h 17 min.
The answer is 5 h 49 min
